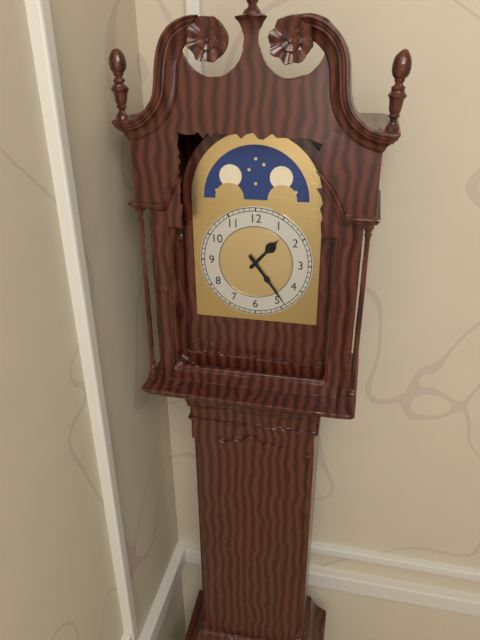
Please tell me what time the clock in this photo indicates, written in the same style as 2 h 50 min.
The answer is 1 h 24 min
